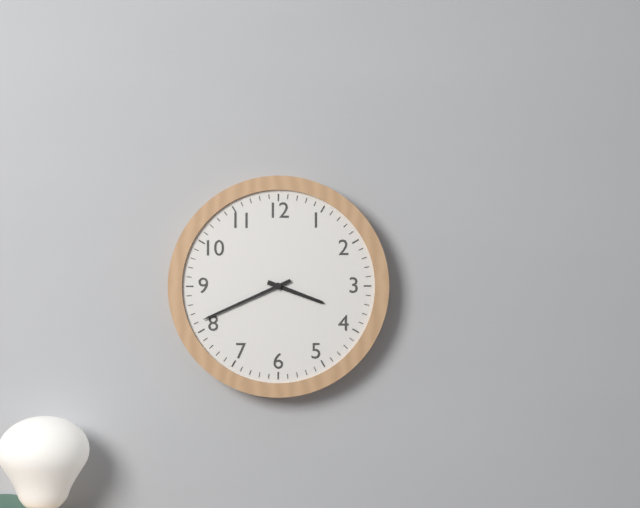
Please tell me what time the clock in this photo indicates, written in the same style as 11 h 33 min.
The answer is 3 h 41 min
